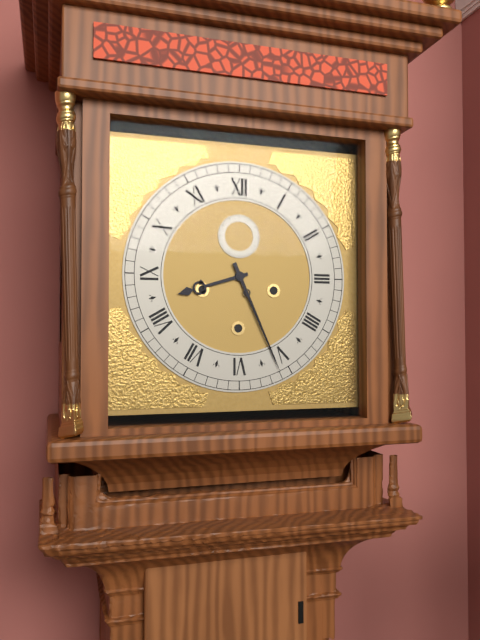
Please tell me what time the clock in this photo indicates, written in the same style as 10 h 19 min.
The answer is 8 h 26 min
